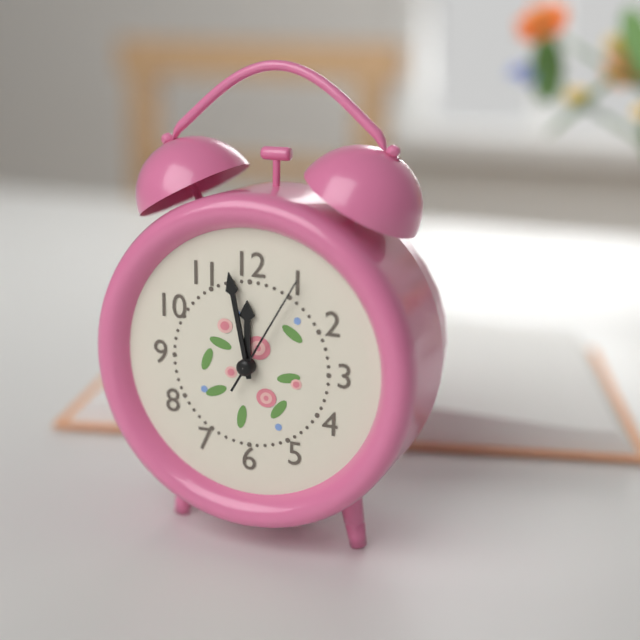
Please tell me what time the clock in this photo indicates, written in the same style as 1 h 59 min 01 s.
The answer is 11 h 58 min 05 s
